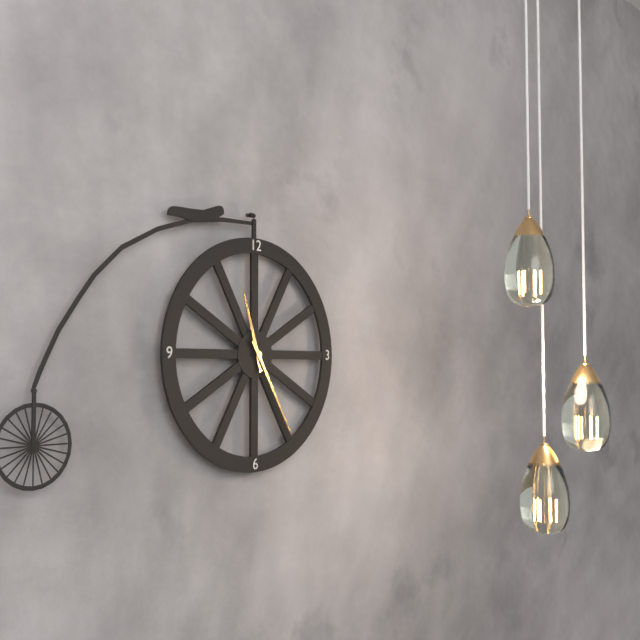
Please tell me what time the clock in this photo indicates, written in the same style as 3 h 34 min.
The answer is 11 h 25 min
